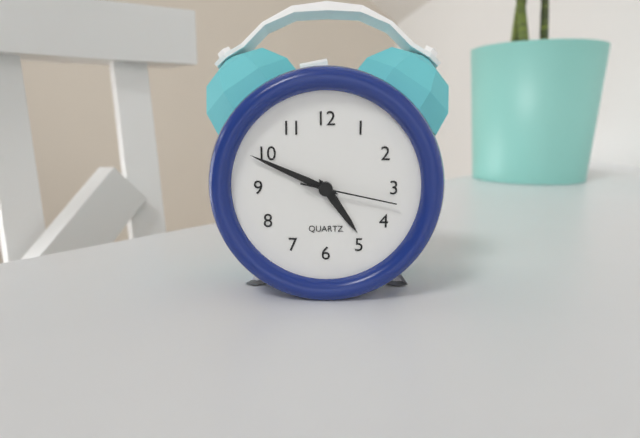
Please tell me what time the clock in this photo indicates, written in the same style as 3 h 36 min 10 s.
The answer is 4 h 49 min 17 s
